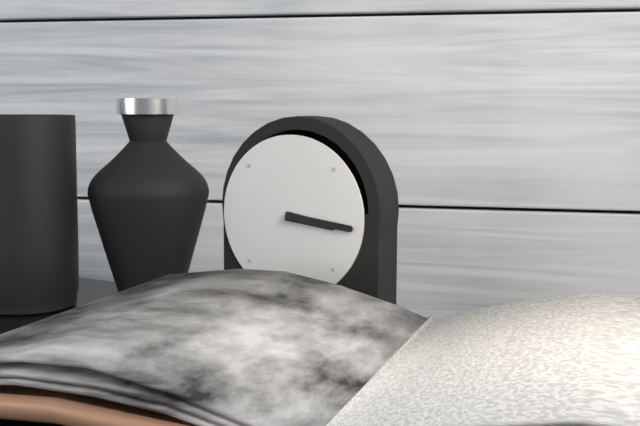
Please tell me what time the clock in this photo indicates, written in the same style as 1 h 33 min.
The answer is 3 h 16 min
